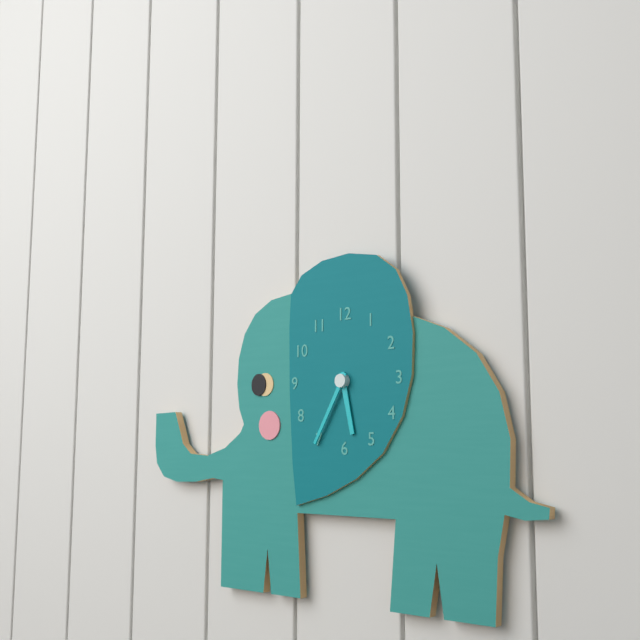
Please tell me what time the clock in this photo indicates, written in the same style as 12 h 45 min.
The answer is 5 h 35 min
